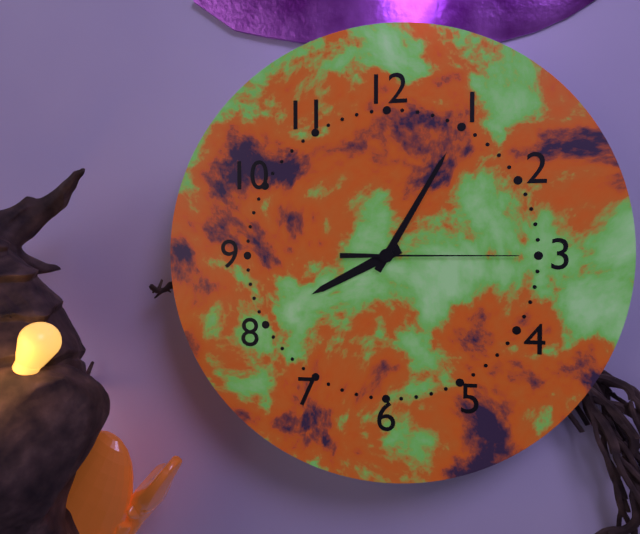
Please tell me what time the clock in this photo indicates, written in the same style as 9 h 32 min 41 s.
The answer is 8 h 05 min 15 s
